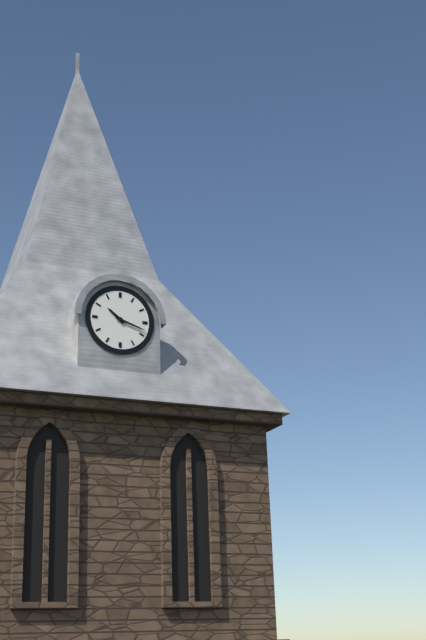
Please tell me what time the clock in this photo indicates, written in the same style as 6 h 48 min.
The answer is 10 h 18 min
